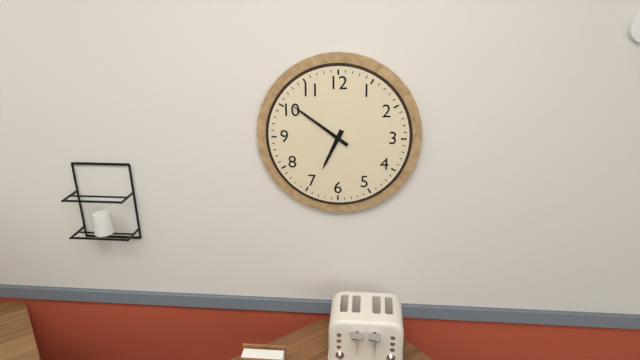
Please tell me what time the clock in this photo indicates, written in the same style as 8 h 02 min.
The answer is 6 h 51 min
